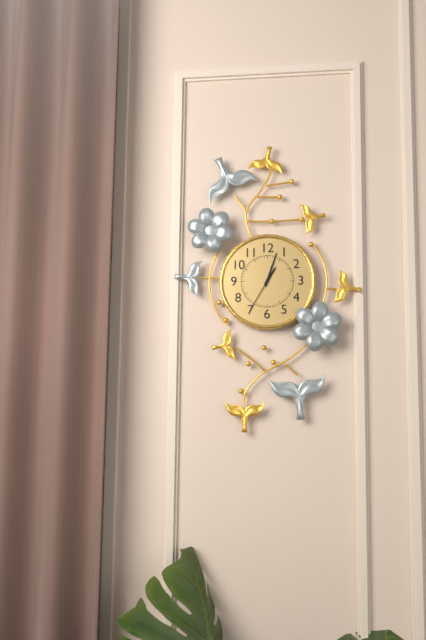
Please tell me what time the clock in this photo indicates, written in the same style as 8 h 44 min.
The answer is 1 h 03 min
